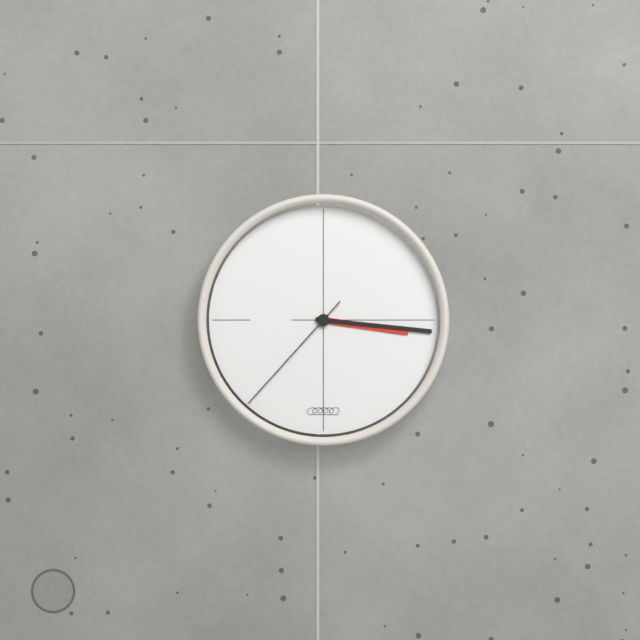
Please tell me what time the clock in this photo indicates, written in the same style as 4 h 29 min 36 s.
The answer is 3 h 16 min 37 s
